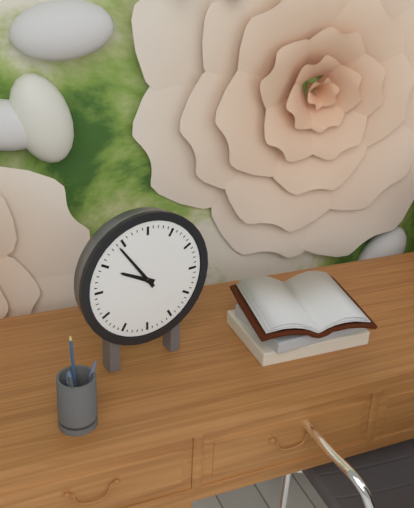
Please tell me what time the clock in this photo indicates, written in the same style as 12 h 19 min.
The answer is 9 h 54 min
